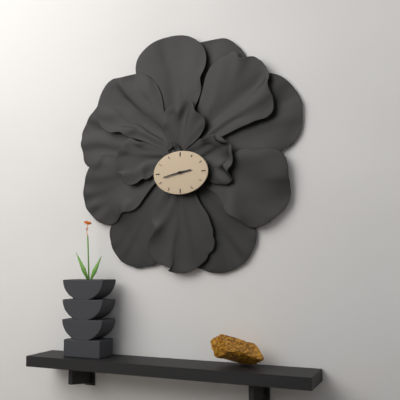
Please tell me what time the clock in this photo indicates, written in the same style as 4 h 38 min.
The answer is 2 h 43 min
